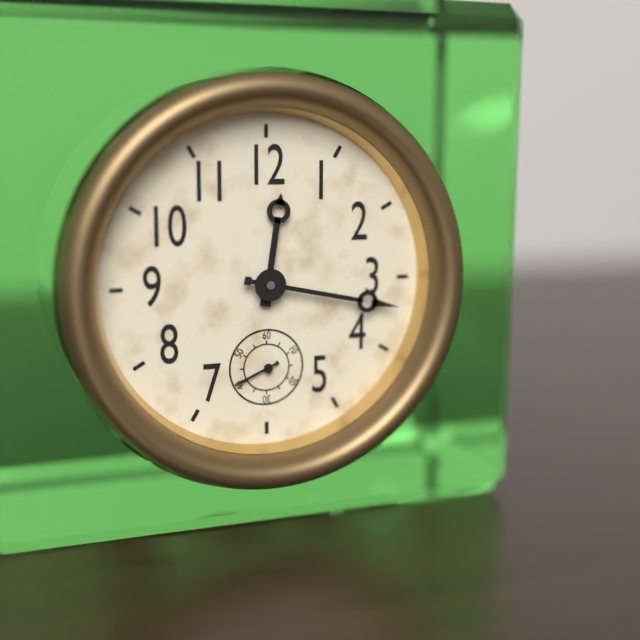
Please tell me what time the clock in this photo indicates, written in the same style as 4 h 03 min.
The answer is 12 h 17 min
